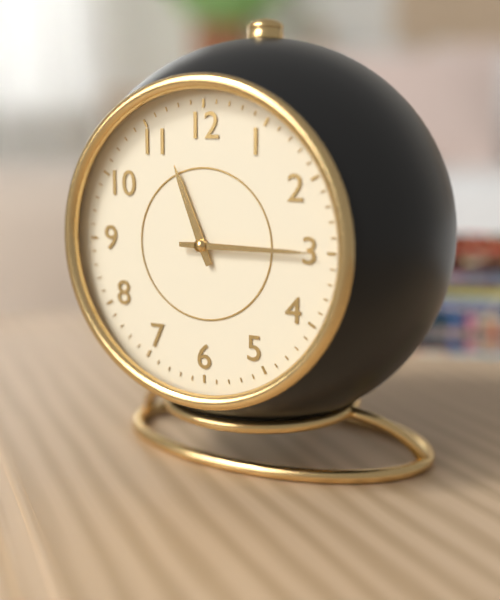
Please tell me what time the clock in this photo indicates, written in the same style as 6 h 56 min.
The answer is 11 h 15 min
